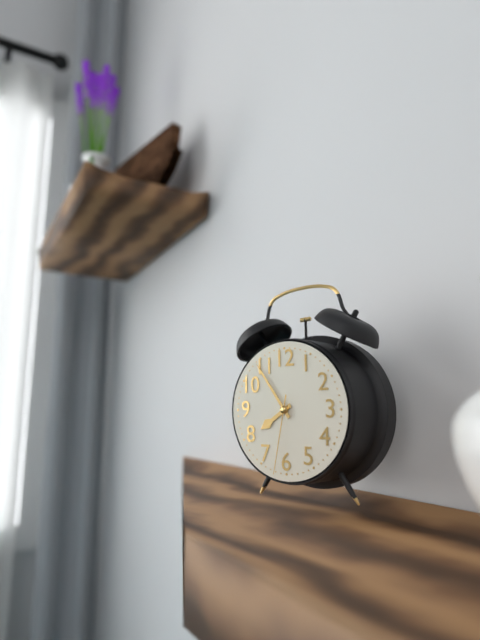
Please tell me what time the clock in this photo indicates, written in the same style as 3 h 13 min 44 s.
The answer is 7 h 54 min 32 s
